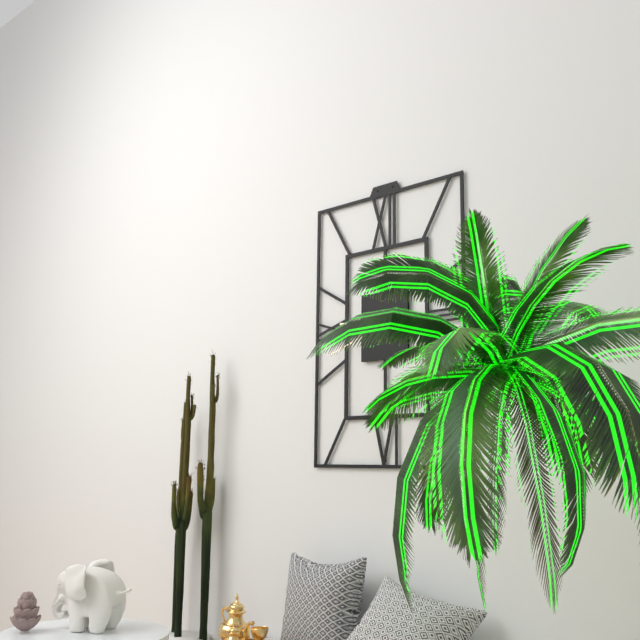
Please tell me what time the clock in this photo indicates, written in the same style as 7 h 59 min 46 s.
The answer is 9 h 17 min 42 s
